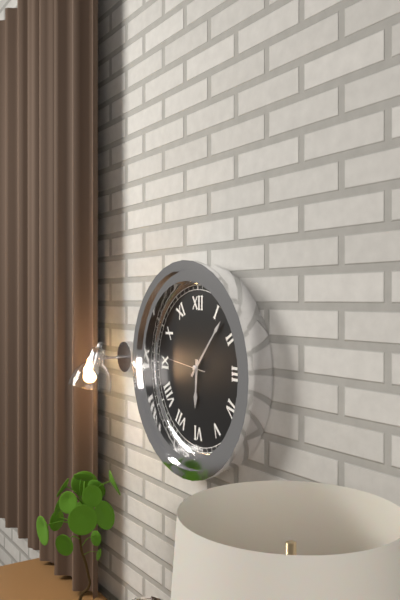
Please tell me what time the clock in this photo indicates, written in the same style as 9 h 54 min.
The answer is 6 h 07 min
